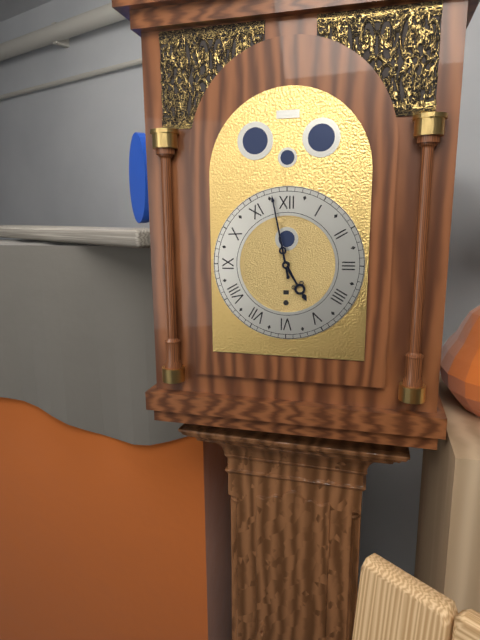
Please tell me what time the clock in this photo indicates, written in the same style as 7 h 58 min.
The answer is 4 h 58 min
